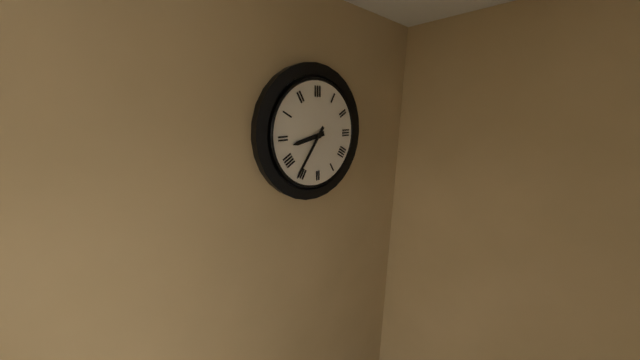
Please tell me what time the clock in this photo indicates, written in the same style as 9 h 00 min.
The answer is 8 h 36 min
